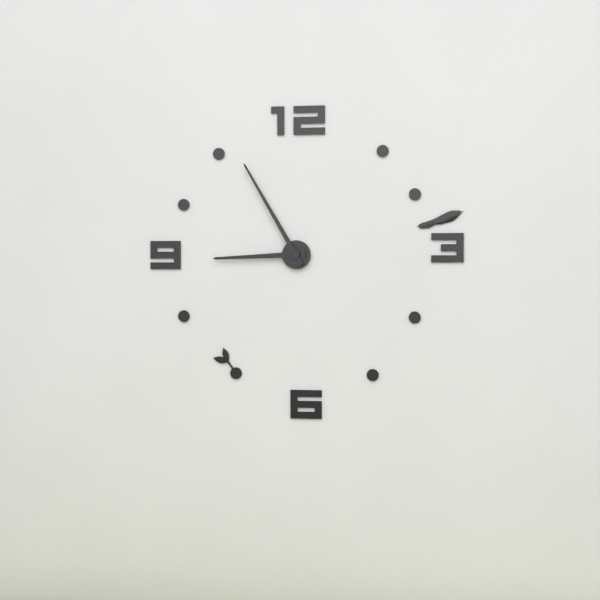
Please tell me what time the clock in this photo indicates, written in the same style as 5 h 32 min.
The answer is 8 h 55 min
